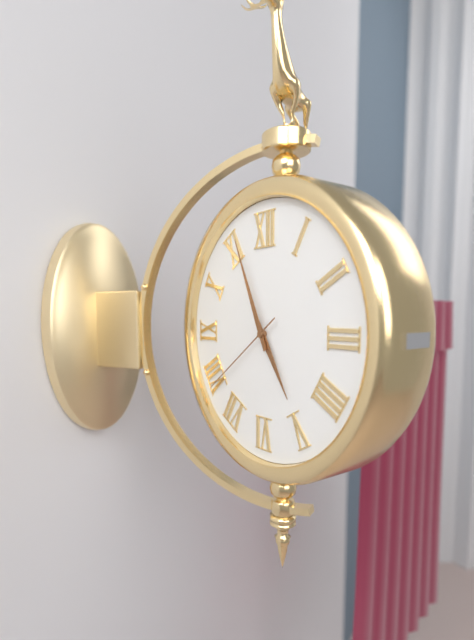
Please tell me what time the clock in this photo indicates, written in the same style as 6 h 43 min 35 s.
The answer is 4 h 56 min 39 s
